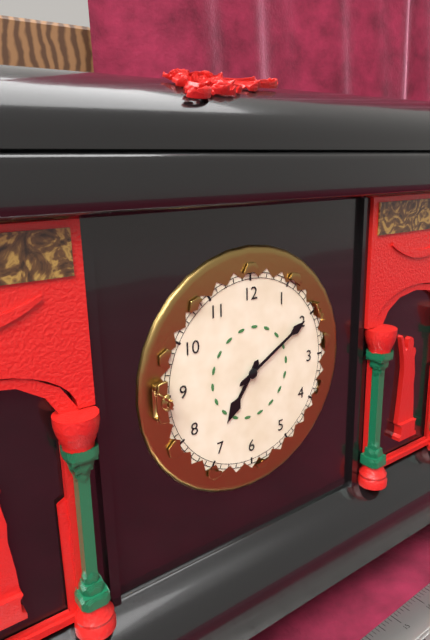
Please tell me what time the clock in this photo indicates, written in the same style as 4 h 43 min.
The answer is 7 h 10 min
